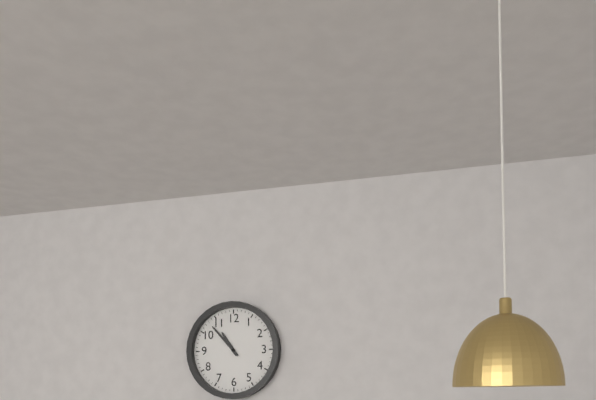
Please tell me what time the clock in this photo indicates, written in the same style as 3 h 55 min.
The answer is 10 h 53 min
